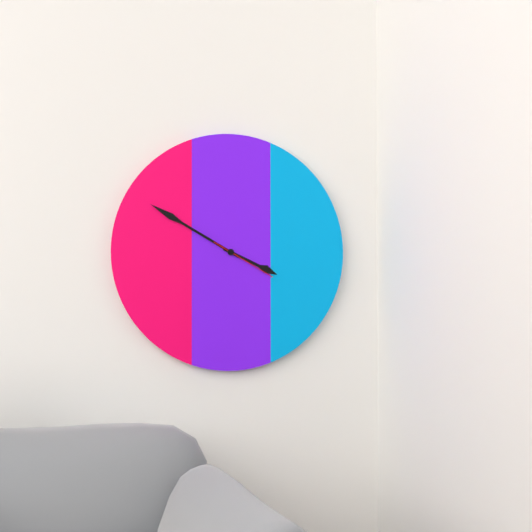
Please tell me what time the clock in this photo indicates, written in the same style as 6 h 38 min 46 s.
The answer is 3 h 50 min 20 s
